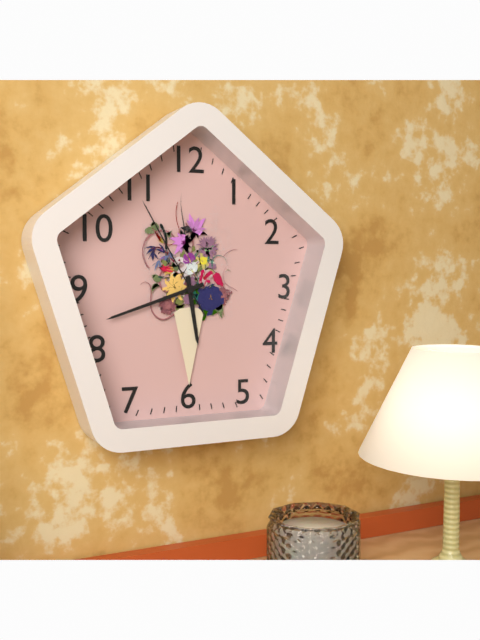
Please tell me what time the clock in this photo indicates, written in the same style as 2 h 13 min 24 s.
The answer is 5 h 42 min 55 s
